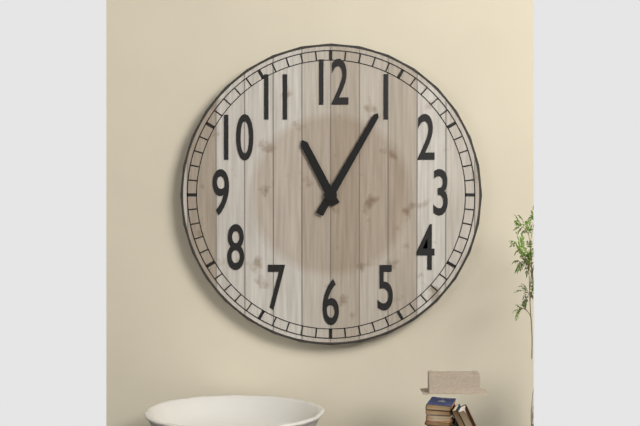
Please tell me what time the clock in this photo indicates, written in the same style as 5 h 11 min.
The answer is 11 h 05 min
